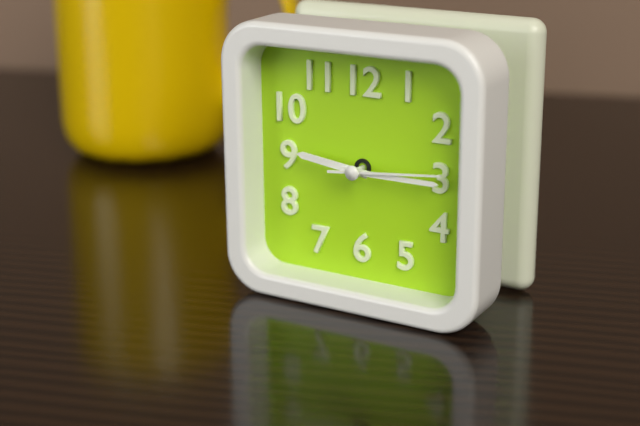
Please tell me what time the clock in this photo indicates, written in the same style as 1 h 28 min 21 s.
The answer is 9 h 15 min 14 s
